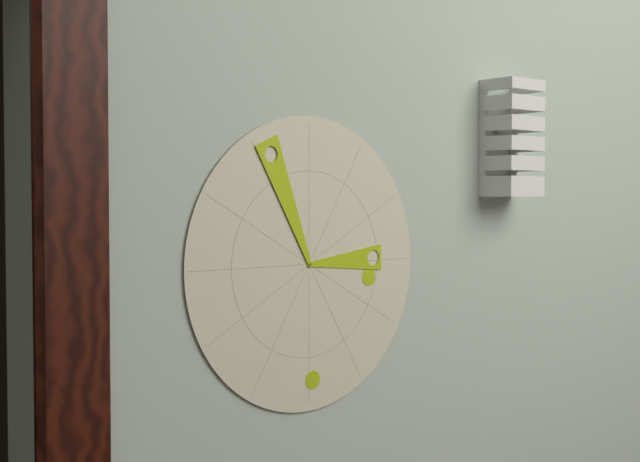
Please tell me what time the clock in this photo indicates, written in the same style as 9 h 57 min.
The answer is 2 h 56 min
